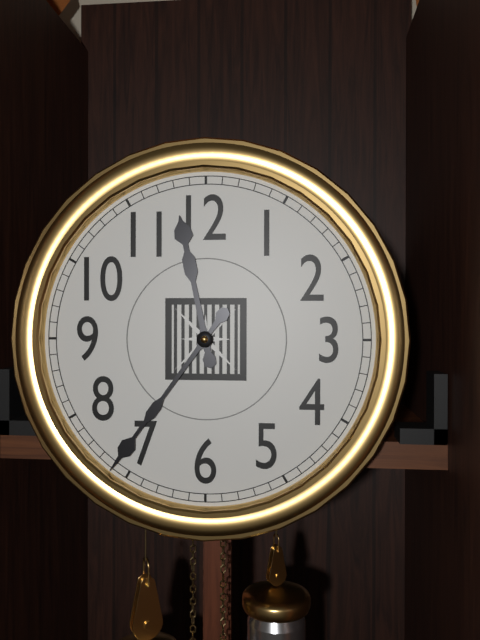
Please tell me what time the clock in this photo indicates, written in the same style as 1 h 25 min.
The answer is 11 h 36 min
